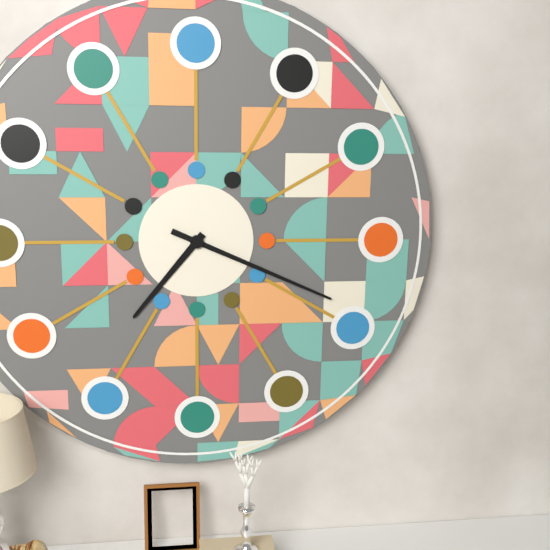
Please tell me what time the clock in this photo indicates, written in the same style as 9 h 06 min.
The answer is 7 h 19 min
